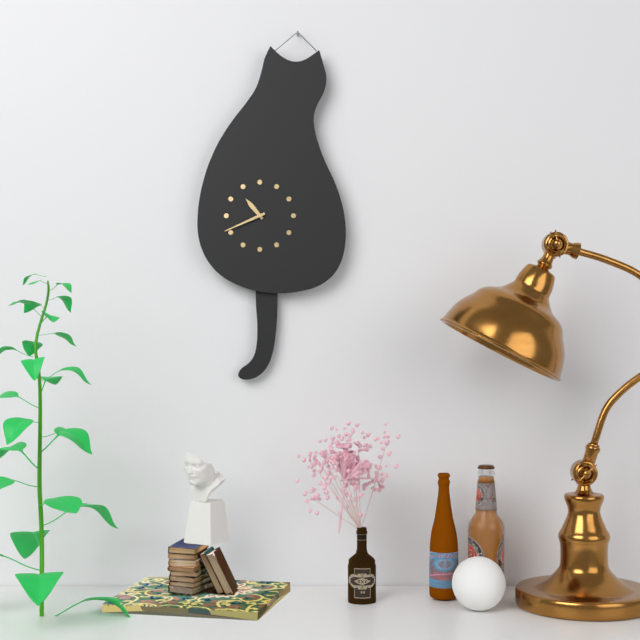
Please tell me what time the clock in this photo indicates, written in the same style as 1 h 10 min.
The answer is 10 h 41 min
